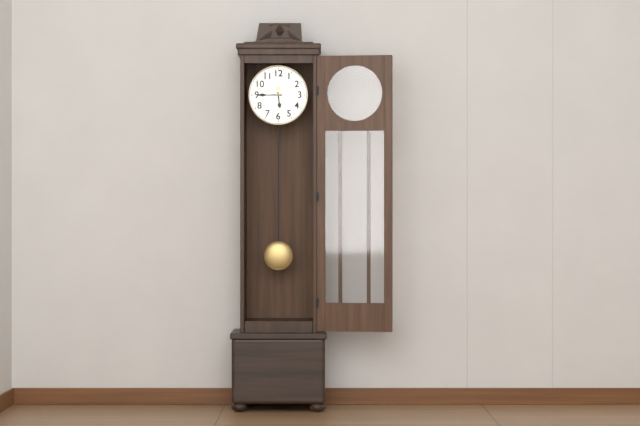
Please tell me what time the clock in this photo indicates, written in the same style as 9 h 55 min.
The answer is 5 h 45 min
